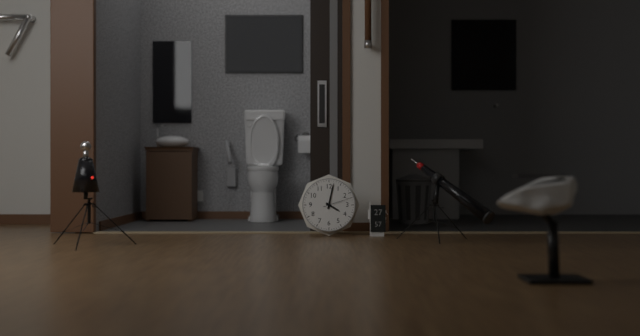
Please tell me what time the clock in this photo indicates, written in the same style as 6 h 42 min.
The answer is 4 h 02 min
